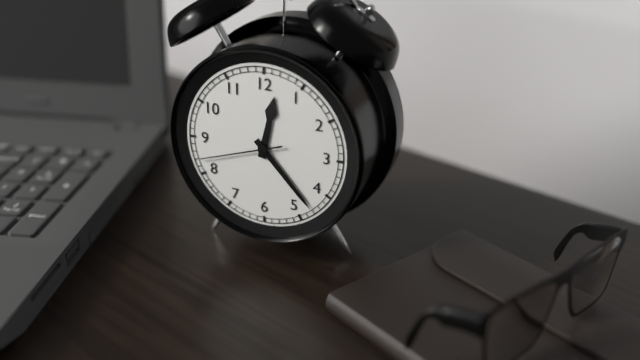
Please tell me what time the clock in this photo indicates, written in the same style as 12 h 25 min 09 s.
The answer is 12 h 23 min 42 s
